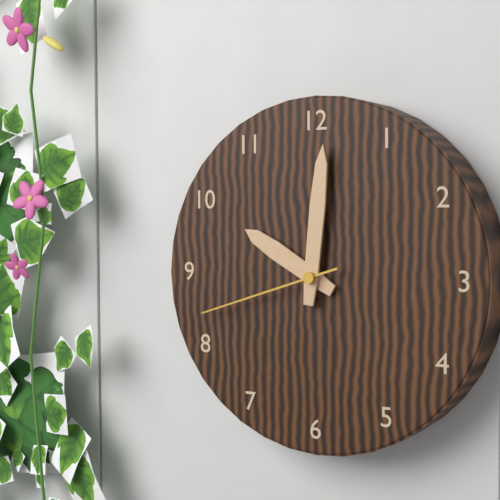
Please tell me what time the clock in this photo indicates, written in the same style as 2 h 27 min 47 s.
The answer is 10 h 01 min 42 s
